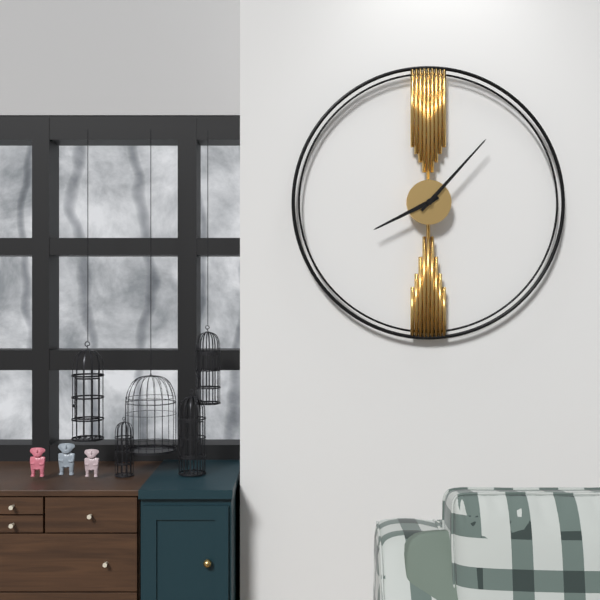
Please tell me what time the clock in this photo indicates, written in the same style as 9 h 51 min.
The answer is 8 h 07 min
